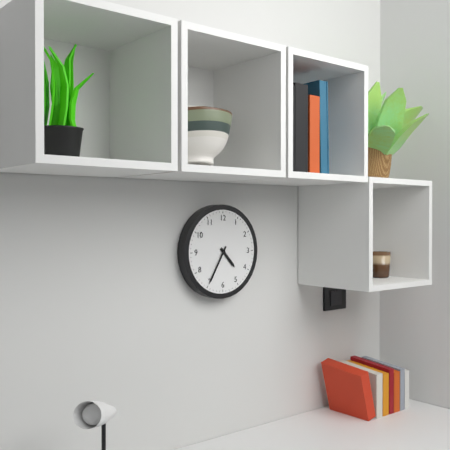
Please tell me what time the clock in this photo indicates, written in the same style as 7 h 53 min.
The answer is 4 h 35 min
